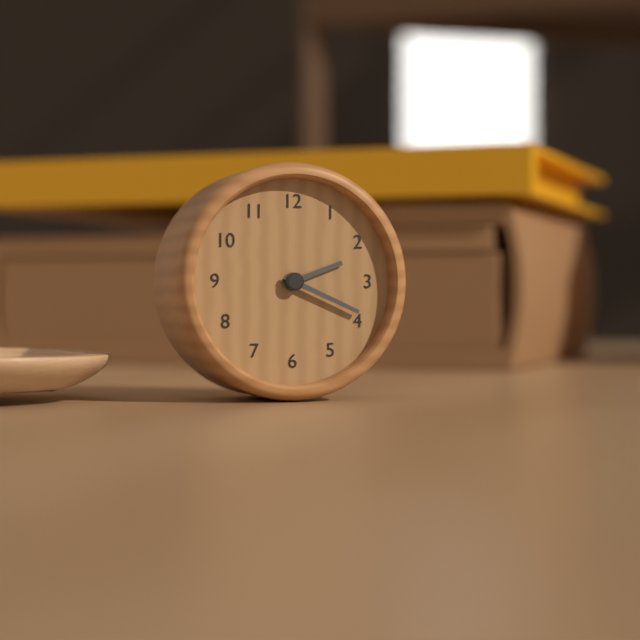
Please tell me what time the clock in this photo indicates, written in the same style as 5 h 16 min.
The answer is 2 h 19 min
